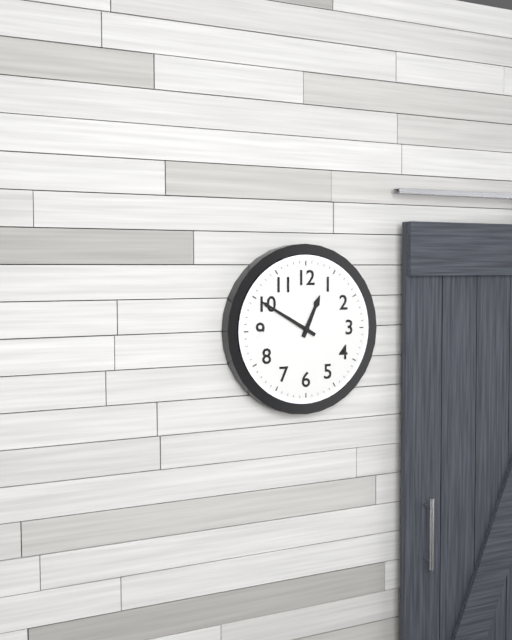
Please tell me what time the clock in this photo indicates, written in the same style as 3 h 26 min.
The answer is 12 h 50 min
